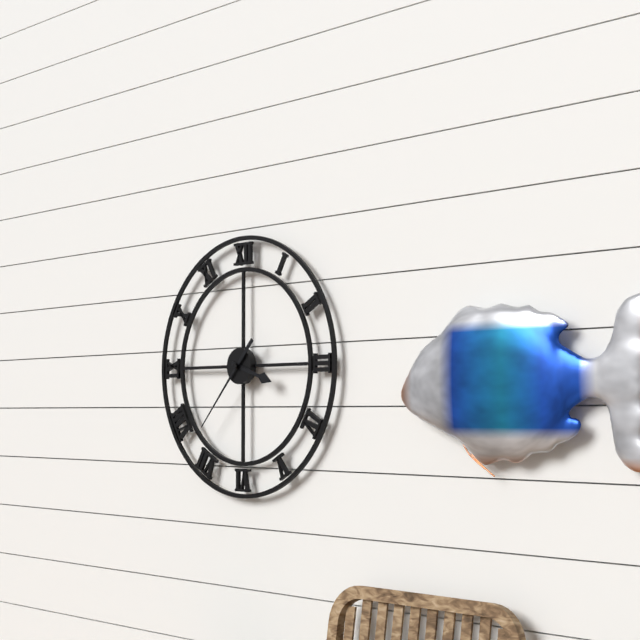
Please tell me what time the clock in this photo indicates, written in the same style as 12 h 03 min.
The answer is 3 h 37 min
